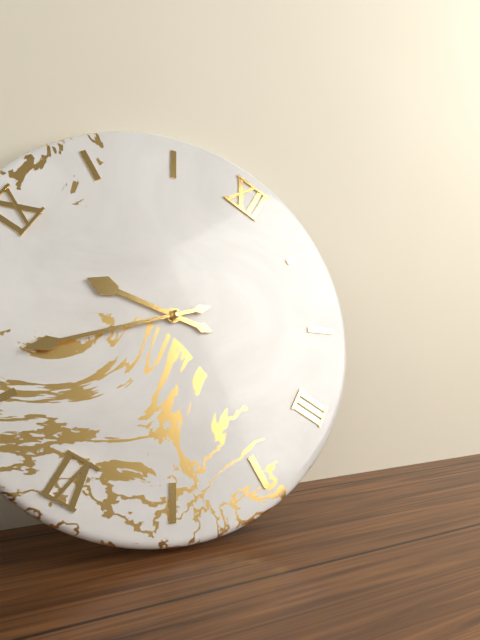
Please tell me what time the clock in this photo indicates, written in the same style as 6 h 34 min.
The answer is 8 h 37 min
